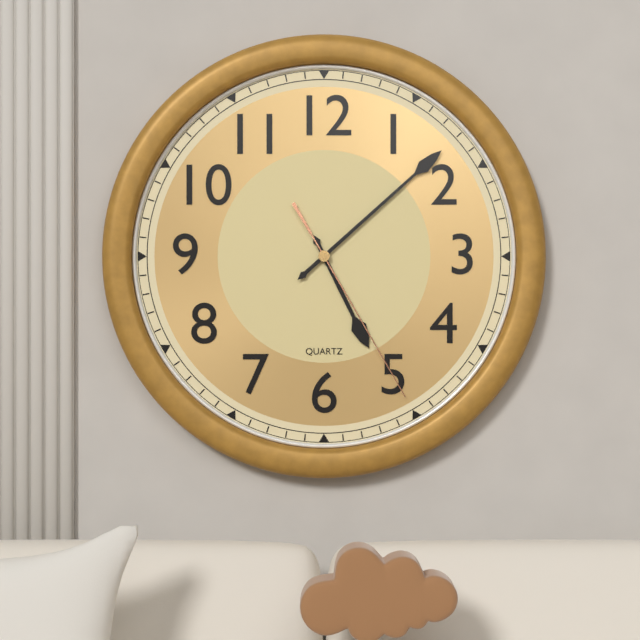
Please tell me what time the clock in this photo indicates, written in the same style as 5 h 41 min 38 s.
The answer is 5 h 08 min 25 s
